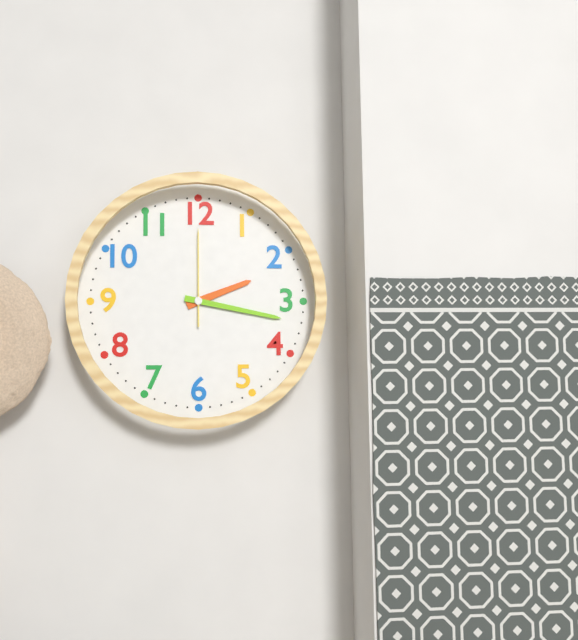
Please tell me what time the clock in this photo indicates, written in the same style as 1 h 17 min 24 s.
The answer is 2 h 17 min 00 s
